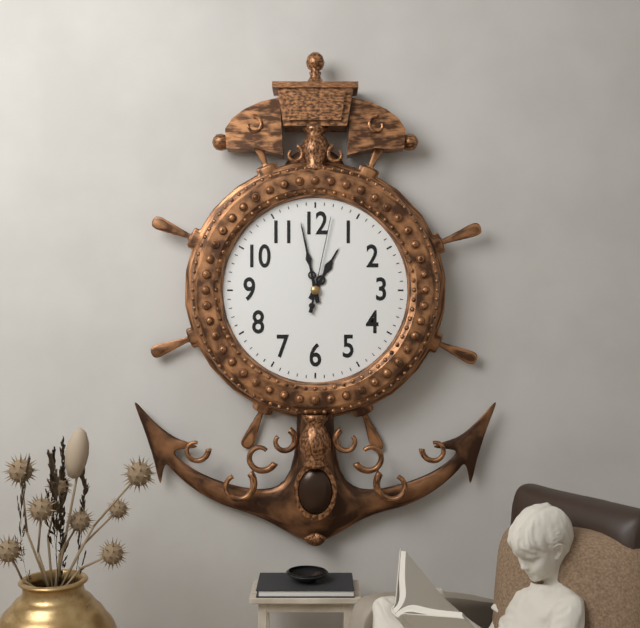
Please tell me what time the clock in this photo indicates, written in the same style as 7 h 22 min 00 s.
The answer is 12 h 58 min 02 s
